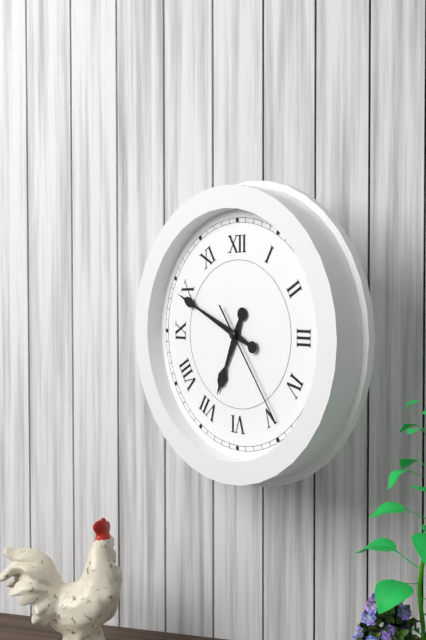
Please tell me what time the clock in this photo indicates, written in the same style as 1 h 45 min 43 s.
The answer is 6 h 49 min 24 s
